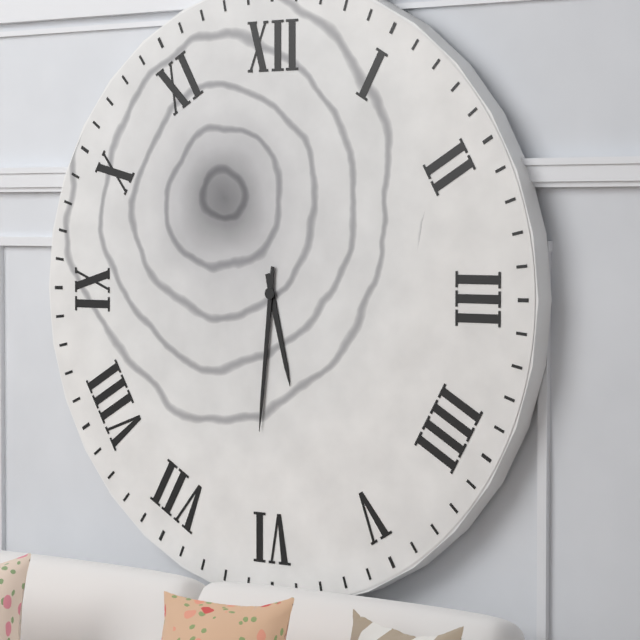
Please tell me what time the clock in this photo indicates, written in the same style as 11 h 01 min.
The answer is 5 h 31 min
